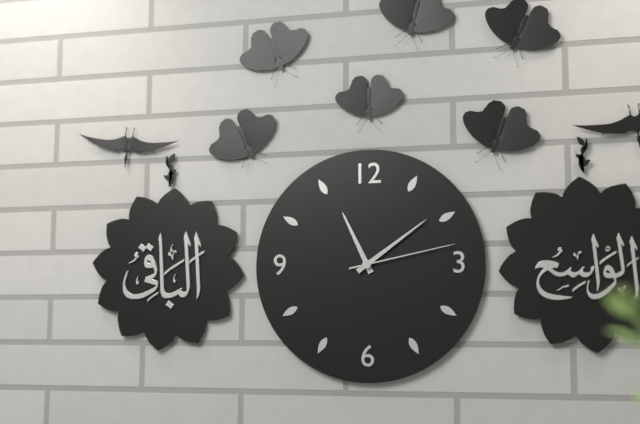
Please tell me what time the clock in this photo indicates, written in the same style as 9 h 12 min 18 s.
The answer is 11 h 09 min 13 s
